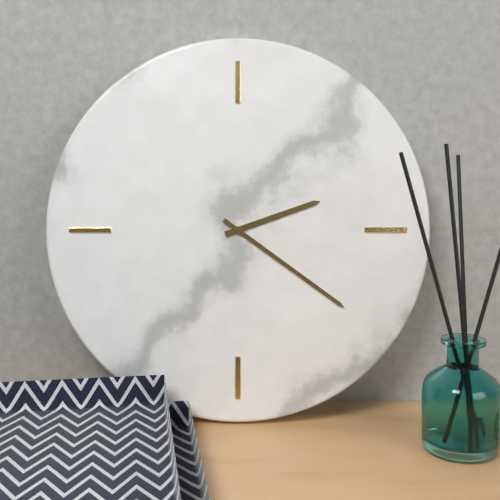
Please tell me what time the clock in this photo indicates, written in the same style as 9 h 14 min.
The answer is 2 h 21 min
